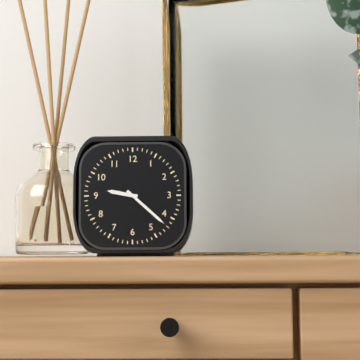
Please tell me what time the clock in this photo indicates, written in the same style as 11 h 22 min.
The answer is 9 h 22 min
